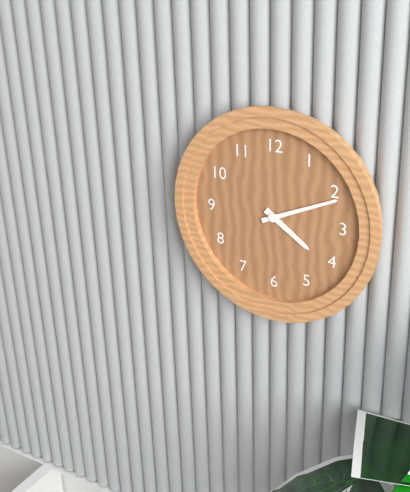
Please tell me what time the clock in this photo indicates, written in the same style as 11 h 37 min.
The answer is 4 h 11 min
